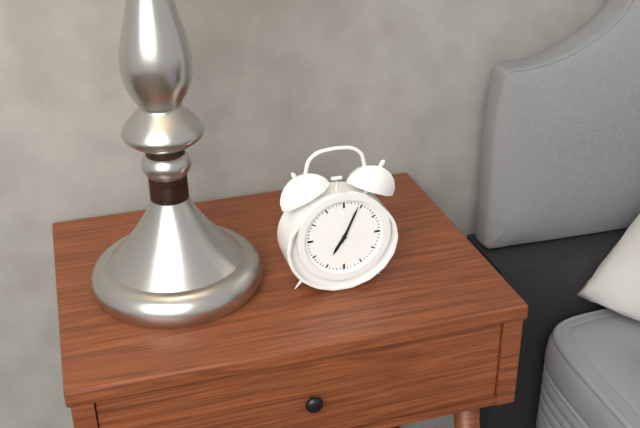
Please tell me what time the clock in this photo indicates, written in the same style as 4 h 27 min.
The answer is 7 h 04 min
